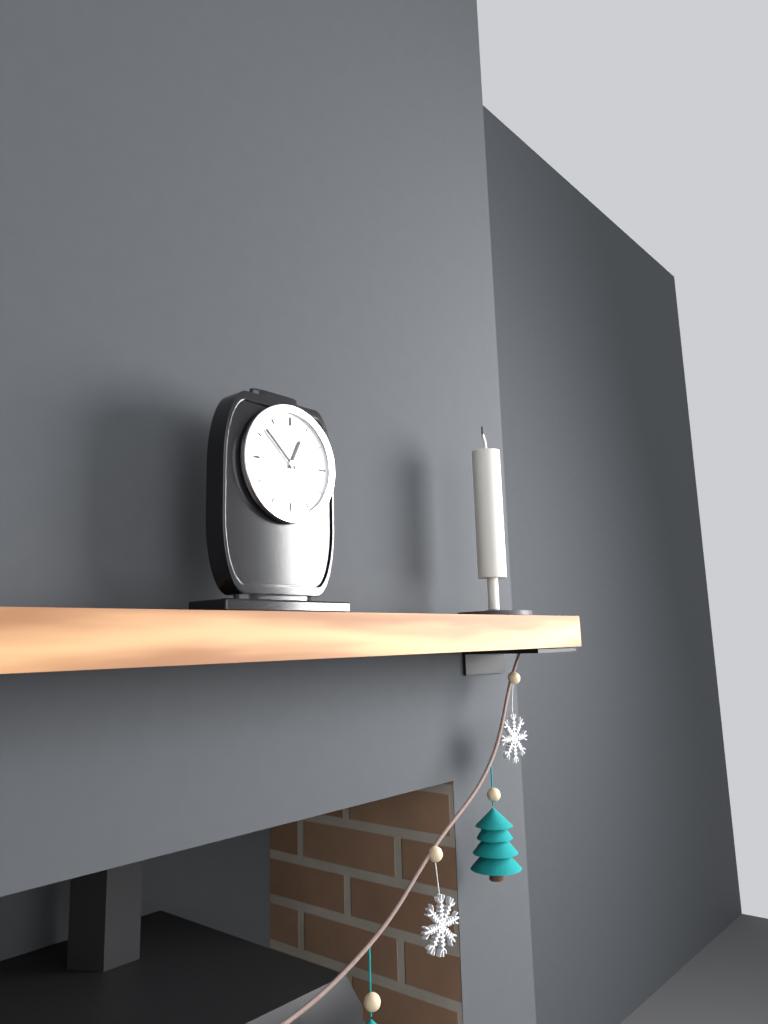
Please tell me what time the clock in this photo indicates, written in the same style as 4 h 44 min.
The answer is 12 h 52 min
